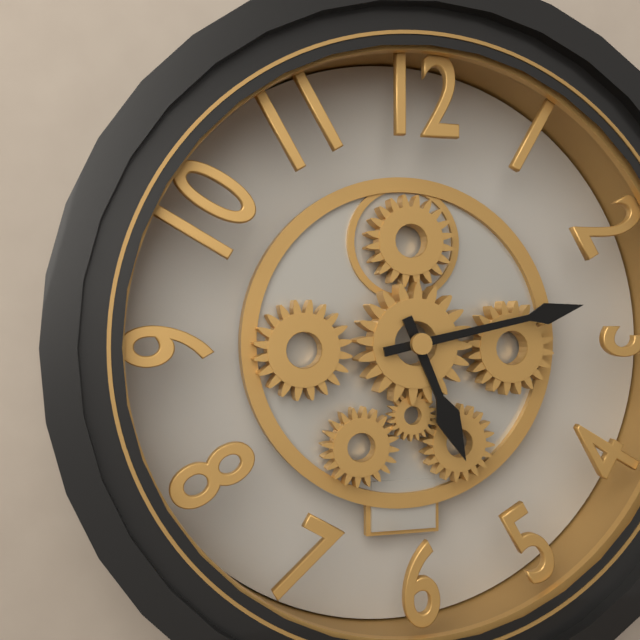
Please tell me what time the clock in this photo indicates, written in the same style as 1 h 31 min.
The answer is 5 h 13 min
